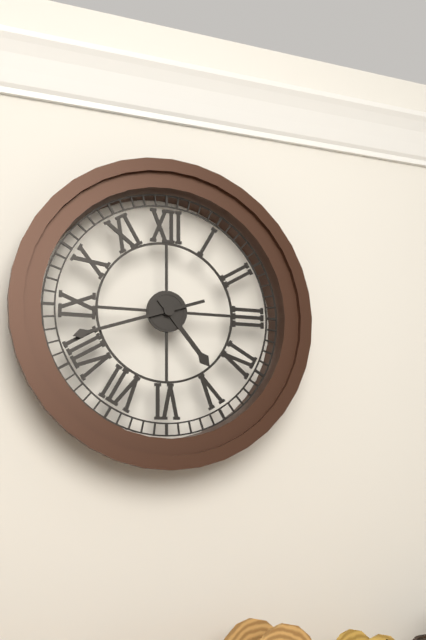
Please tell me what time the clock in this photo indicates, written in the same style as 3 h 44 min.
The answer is 4 h 42 min
